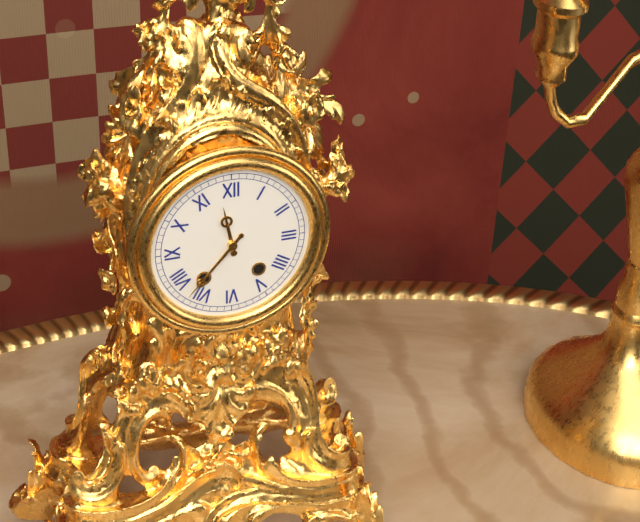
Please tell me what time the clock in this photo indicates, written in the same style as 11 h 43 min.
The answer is 11 h 37 min
